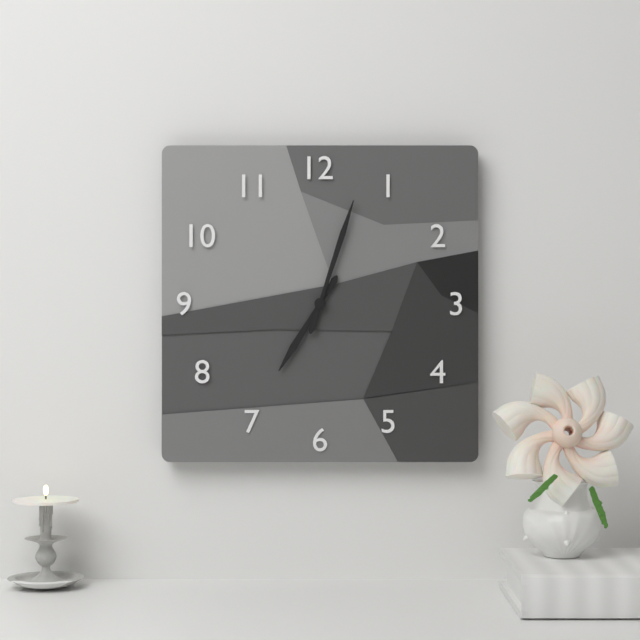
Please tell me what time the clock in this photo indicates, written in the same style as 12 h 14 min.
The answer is 7 h 03 min
